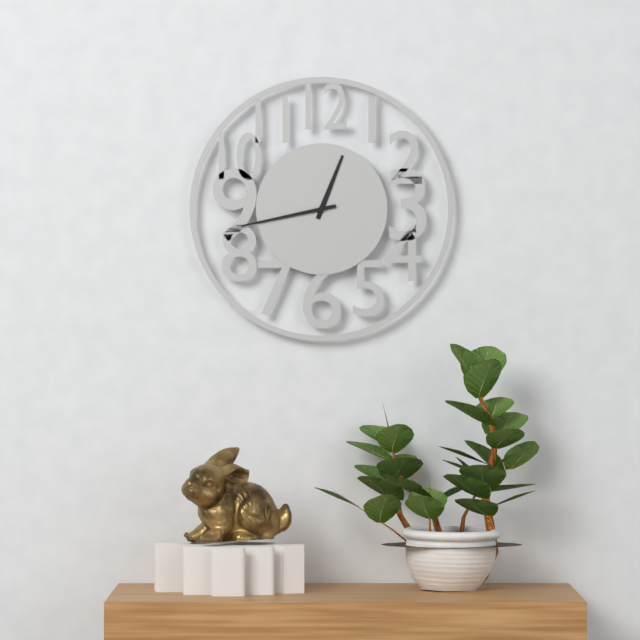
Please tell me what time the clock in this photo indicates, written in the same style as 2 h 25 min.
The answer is 12 h 43 min
